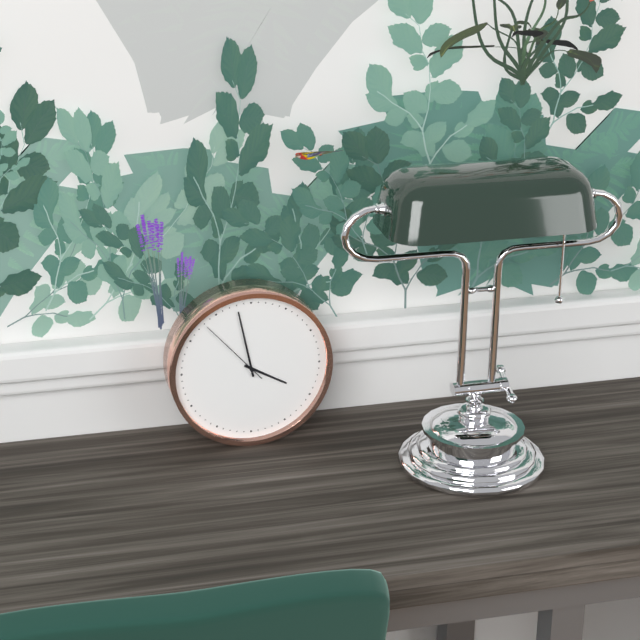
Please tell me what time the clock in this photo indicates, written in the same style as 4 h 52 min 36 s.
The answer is 3 h 58 min 53 s
